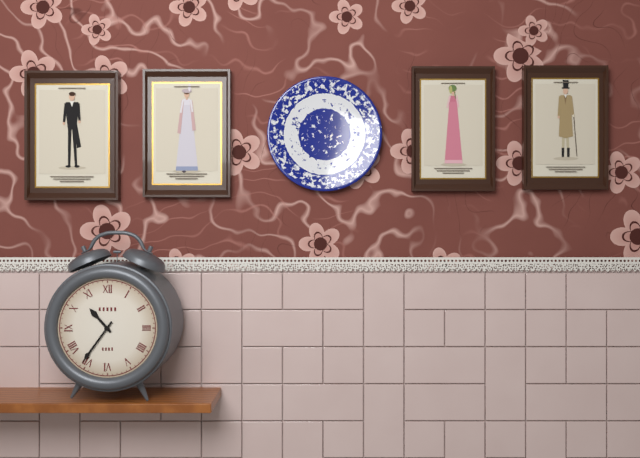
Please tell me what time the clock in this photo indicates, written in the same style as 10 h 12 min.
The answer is 10 h 36 min
